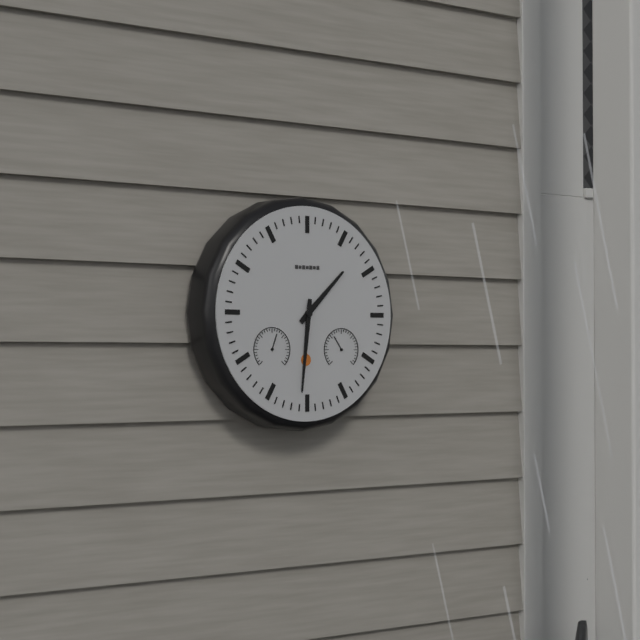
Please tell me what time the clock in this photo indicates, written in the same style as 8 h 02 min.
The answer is 1 h 31 min
